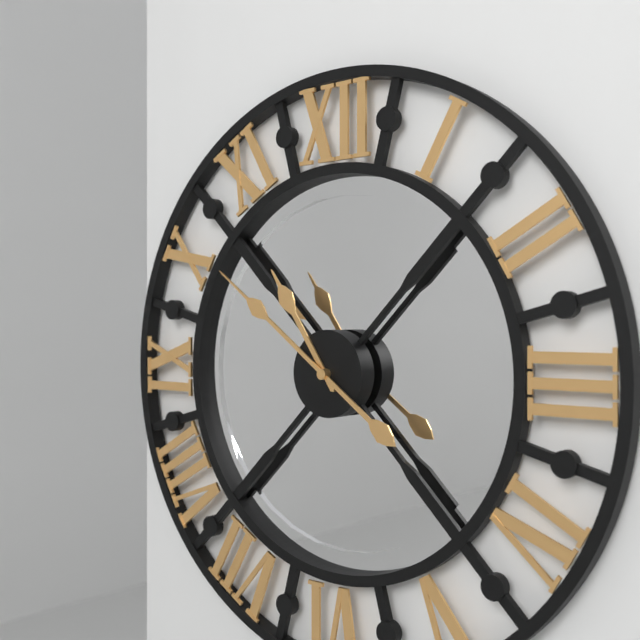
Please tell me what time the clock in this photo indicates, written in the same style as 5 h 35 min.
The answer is 10 h 51 min
